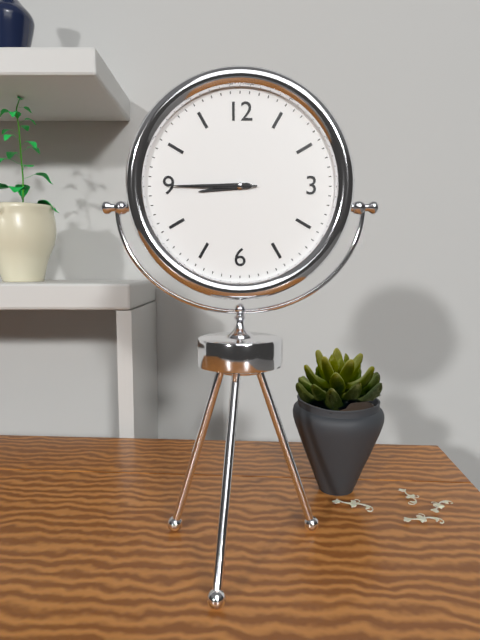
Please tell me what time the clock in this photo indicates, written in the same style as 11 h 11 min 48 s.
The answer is 8 h 45 min 45 s
